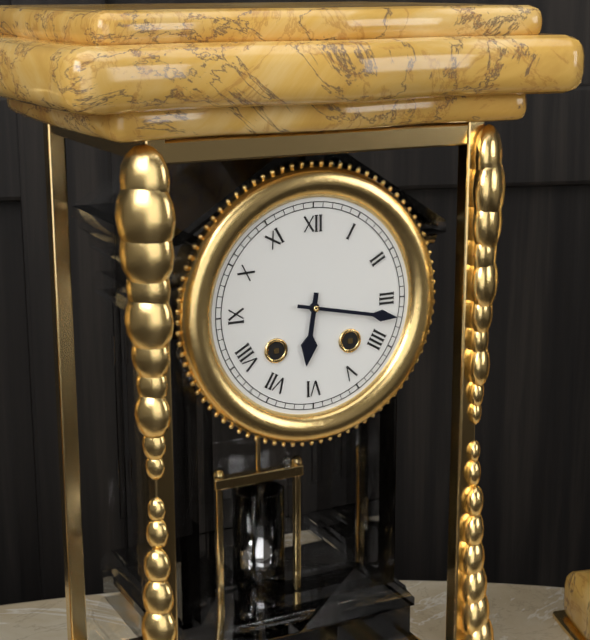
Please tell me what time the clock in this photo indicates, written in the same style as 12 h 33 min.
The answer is 6 h 17 min
